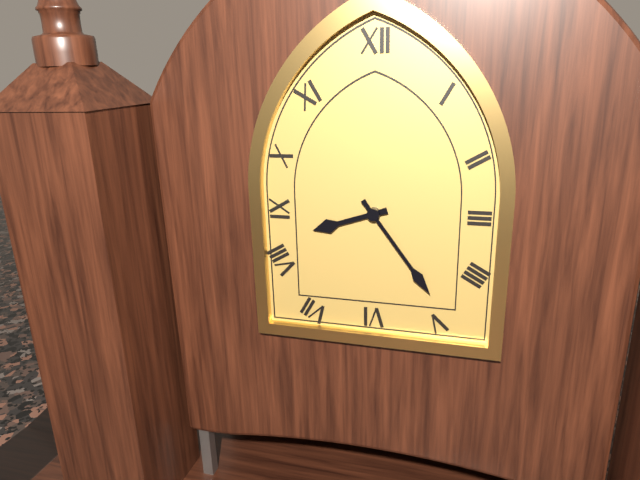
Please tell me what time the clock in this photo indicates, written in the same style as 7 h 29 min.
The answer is 8 h 24 min
